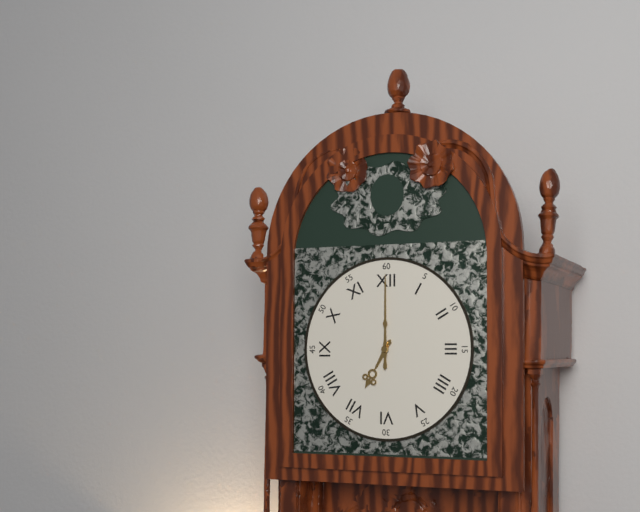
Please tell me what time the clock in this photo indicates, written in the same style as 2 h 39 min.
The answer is 7 h 00 min
